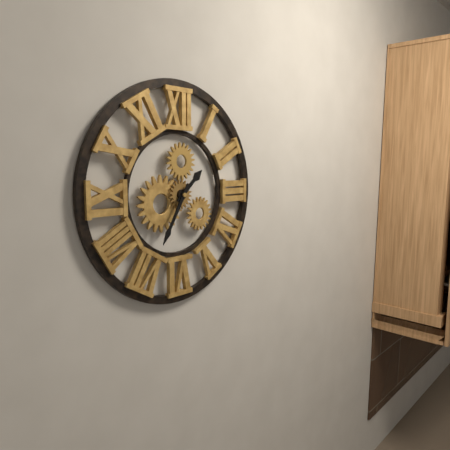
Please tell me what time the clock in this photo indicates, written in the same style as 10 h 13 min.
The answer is 1 h 35 min
